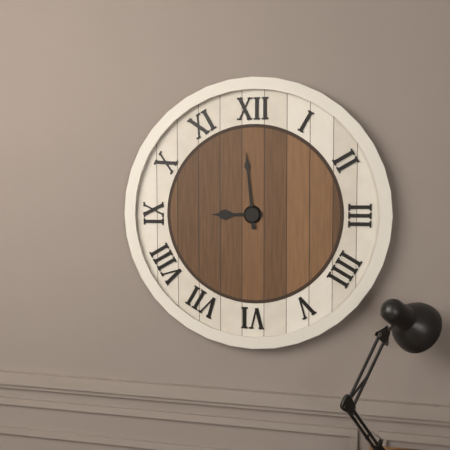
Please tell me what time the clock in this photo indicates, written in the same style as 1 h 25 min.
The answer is 8 h 59 min
